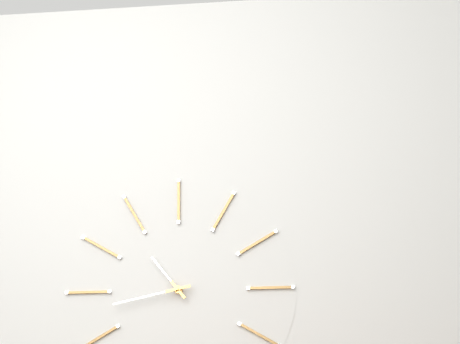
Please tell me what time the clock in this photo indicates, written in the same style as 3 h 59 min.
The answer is 10 h 43 min
